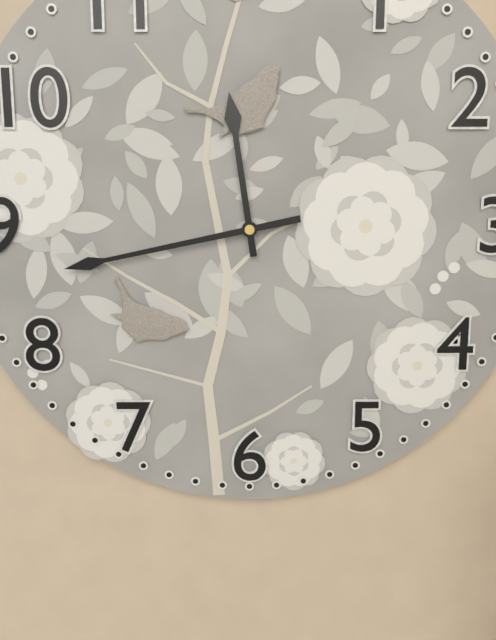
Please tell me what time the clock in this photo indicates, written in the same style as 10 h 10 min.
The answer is 11 h 43 min
